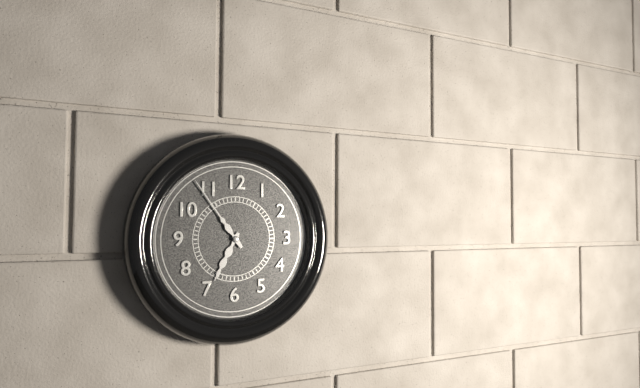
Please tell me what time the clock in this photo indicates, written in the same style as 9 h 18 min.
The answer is 6 h 54 min
